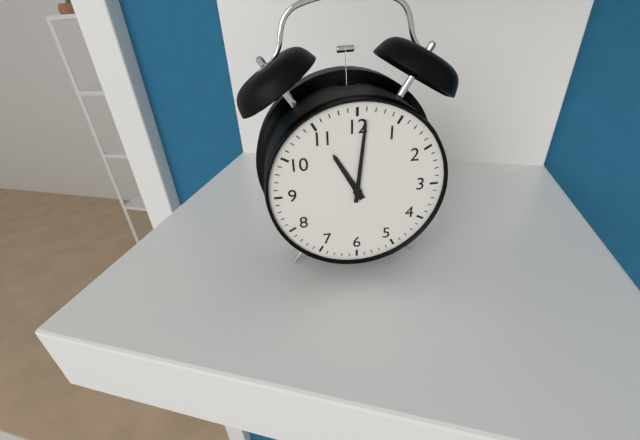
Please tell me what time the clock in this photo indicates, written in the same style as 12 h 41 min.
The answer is 11 h 01 min
